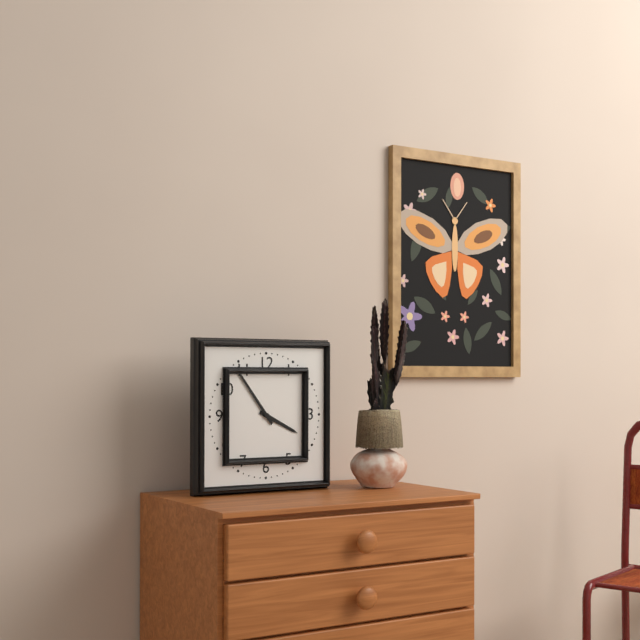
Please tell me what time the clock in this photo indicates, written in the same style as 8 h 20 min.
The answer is 3 h 54 min
